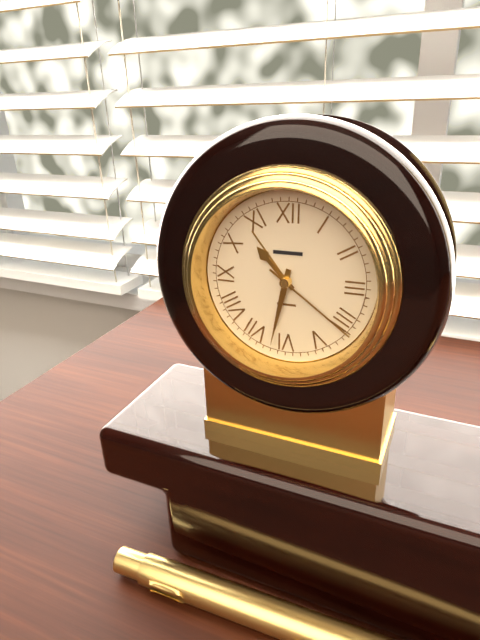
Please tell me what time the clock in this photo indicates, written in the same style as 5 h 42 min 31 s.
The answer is 10 h 32 min 21 s
